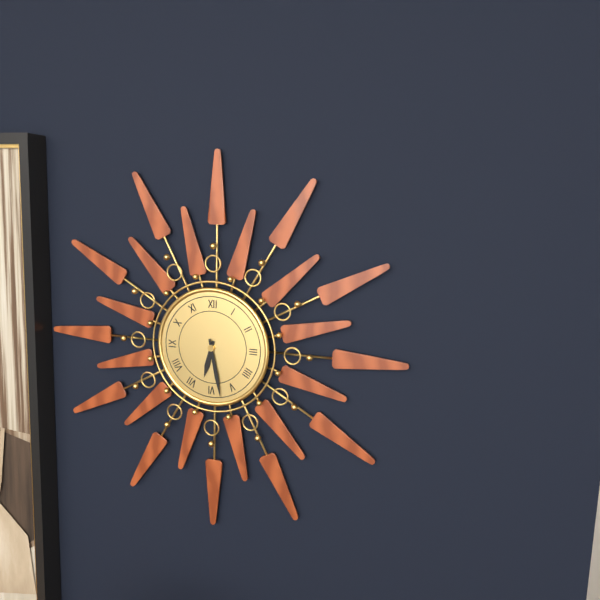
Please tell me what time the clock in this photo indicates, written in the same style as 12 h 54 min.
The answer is 6 h 28 min
